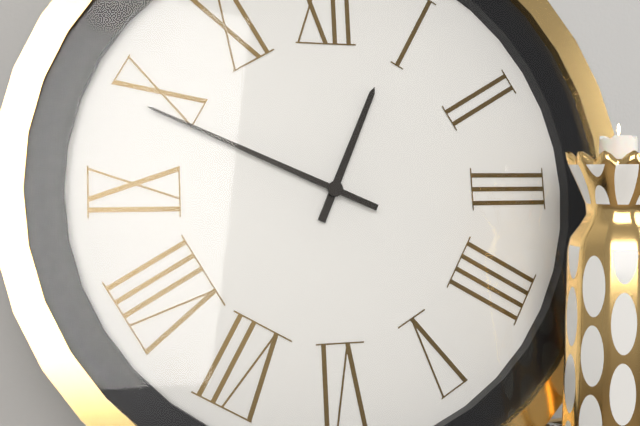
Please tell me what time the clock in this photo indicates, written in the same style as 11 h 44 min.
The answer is 12 h 49 min
